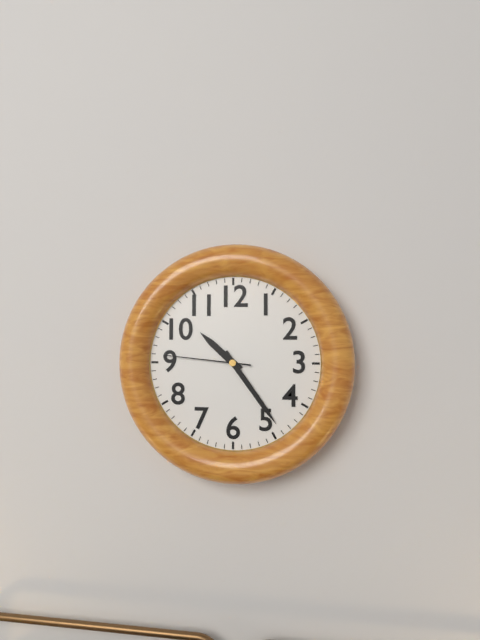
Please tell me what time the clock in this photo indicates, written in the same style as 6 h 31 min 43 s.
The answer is 10 h 24 min 46 s
